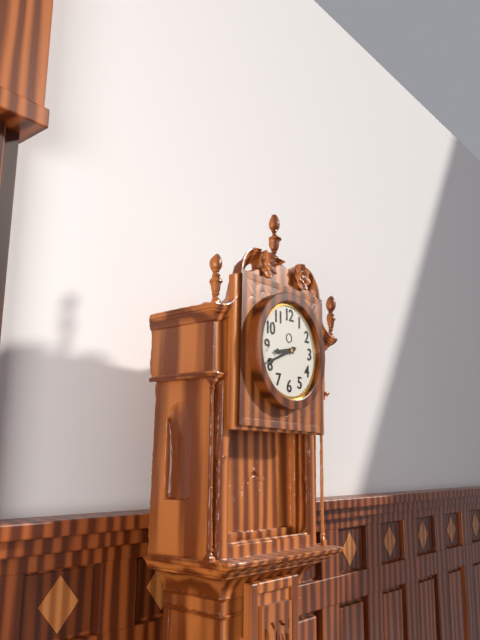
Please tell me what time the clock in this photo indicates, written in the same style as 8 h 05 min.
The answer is 8 h 41 min
